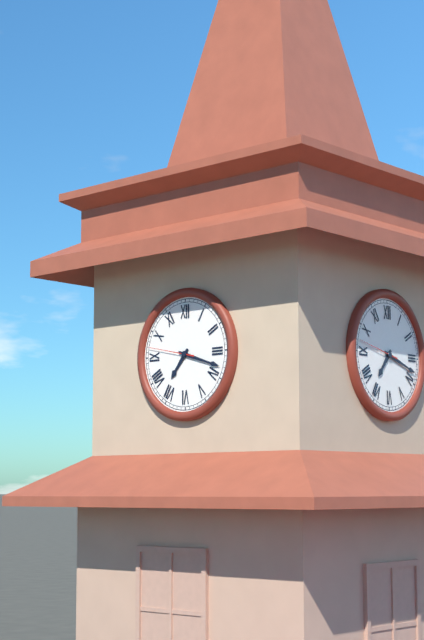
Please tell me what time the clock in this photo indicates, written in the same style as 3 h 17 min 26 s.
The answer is 7 h 18 min 47 s
